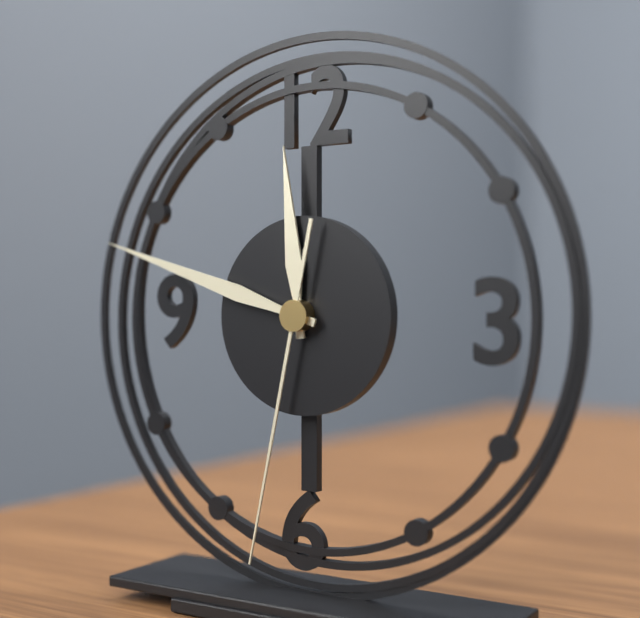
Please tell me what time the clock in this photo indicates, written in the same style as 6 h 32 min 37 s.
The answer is 11 h 48 min 32 s
